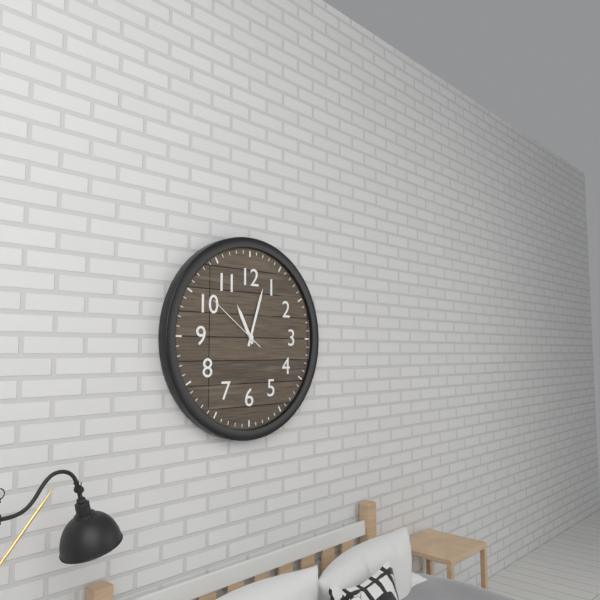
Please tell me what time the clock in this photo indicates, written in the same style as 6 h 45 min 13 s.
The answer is 11 h 03 min 51 s
